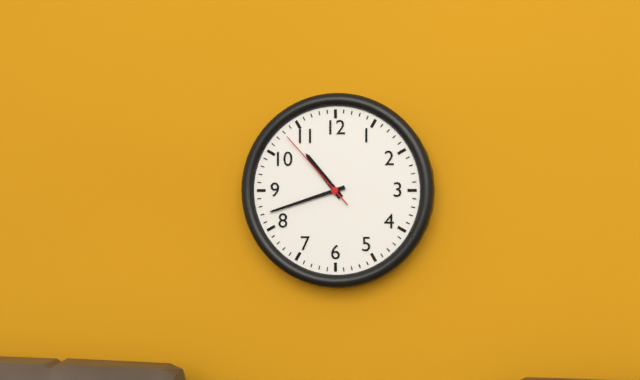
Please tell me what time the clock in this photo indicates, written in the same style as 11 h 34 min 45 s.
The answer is 10 h 42 min 53 s
